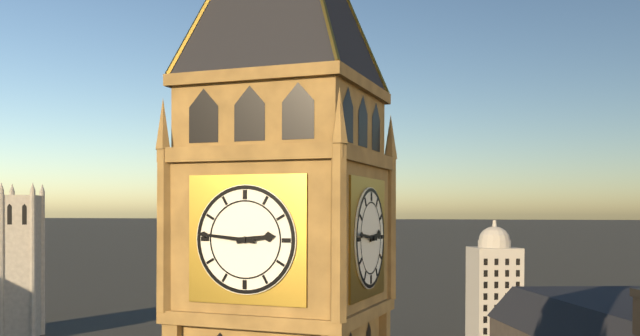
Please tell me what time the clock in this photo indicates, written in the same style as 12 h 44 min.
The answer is 2 h 46 min
